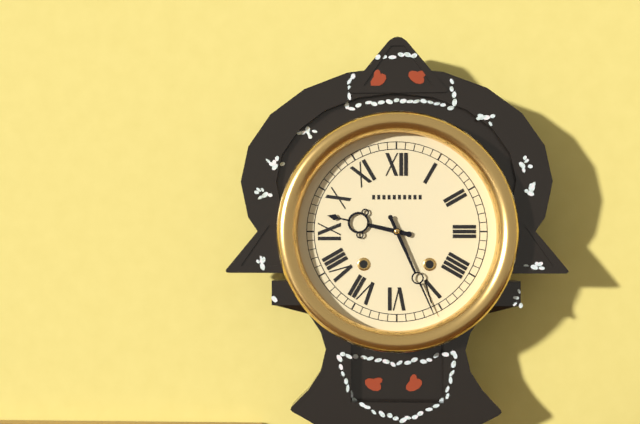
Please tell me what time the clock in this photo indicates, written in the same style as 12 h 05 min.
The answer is 9 h 26 min
